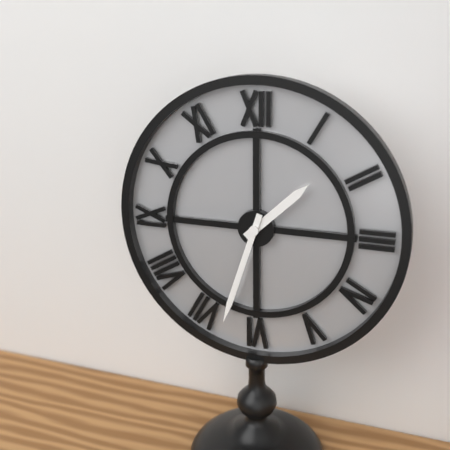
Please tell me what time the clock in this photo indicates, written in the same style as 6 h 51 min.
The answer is 1 h 33 min
